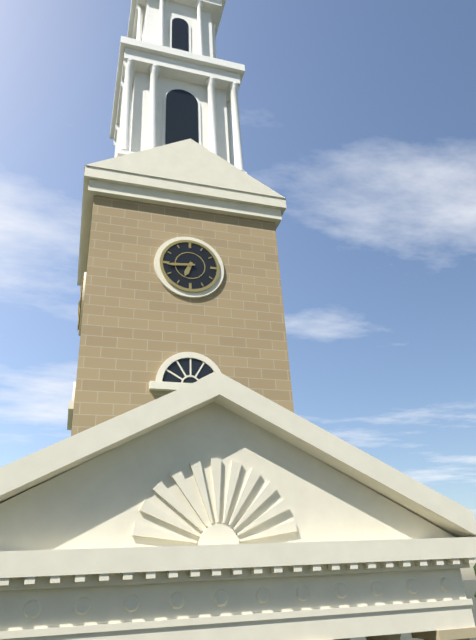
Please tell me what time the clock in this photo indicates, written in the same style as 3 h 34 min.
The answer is 6 h 44 min
